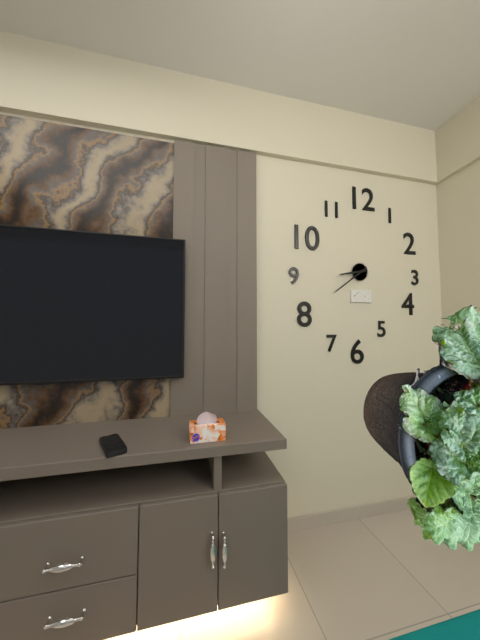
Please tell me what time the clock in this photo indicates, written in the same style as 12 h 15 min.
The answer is 8 h 39 min
